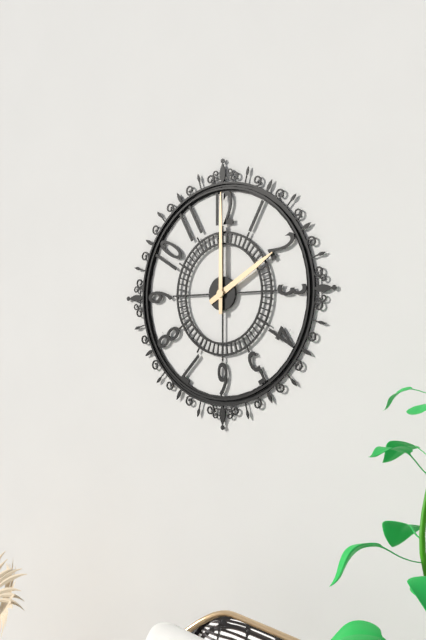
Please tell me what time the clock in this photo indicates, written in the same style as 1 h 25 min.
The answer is 2 h 00 min
